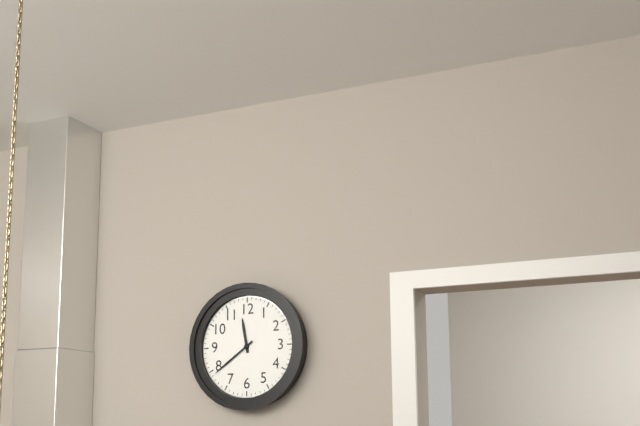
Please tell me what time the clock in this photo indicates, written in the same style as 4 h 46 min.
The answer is 11 h 39 min
